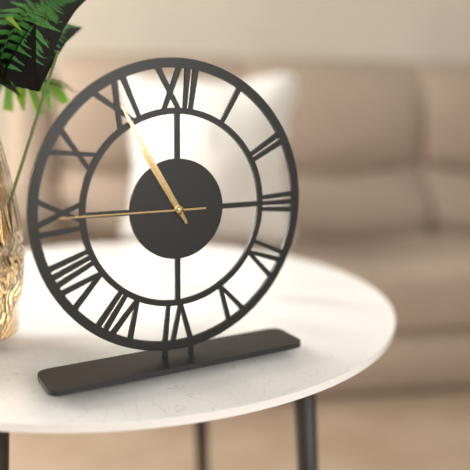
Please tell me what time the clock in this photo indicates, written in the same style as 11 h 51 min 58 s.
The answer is 10 h 55 min 45 s
